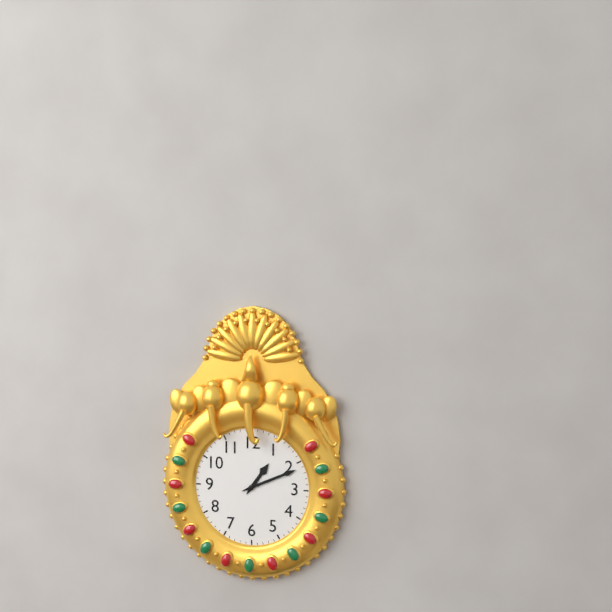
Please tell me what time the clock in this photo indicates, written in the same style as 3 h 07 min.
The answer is 1 h 11 min
